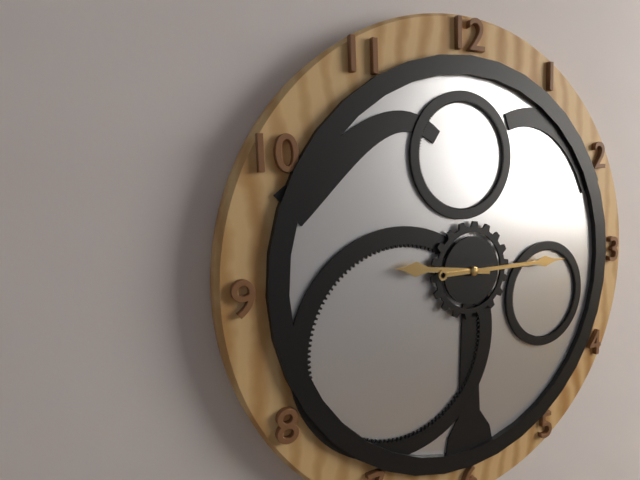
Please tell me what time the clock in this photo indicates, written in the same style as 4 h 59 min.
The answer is 9 h 15 min
